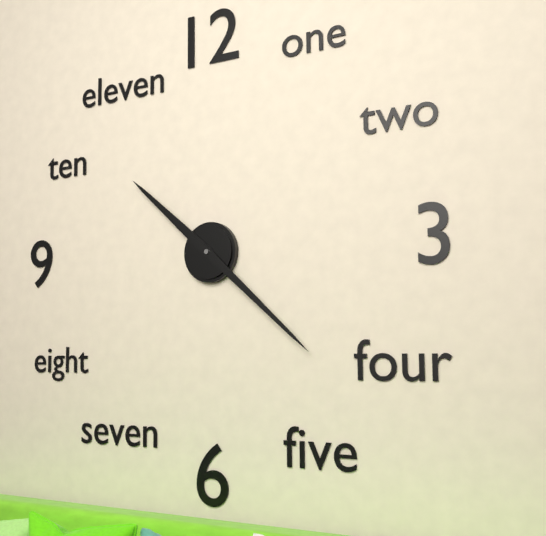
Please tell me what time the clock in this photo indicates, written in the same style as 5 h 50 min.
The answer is 10 h 22 min
